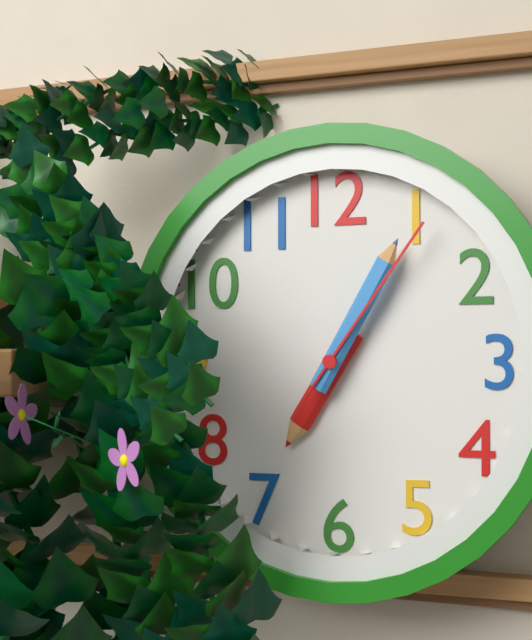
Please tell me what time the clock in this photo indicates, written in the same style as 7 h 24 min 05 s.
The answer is 7 h 05 min 06 s
